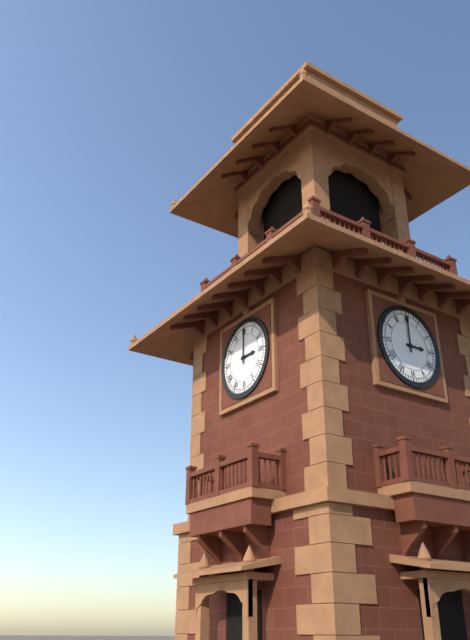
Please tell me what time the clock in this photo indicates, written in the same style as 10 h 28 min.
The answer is 3 h 00 min
